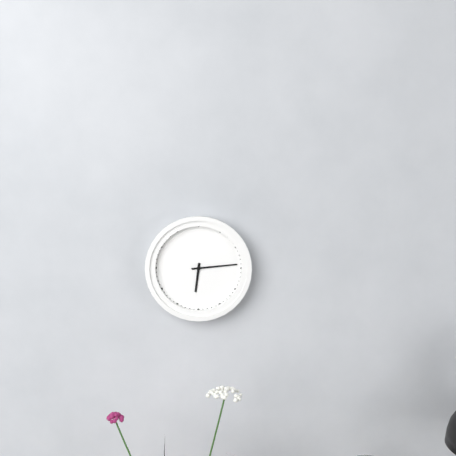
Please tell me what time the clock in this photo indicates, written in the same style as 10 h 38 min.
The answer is 6 h 14 min
